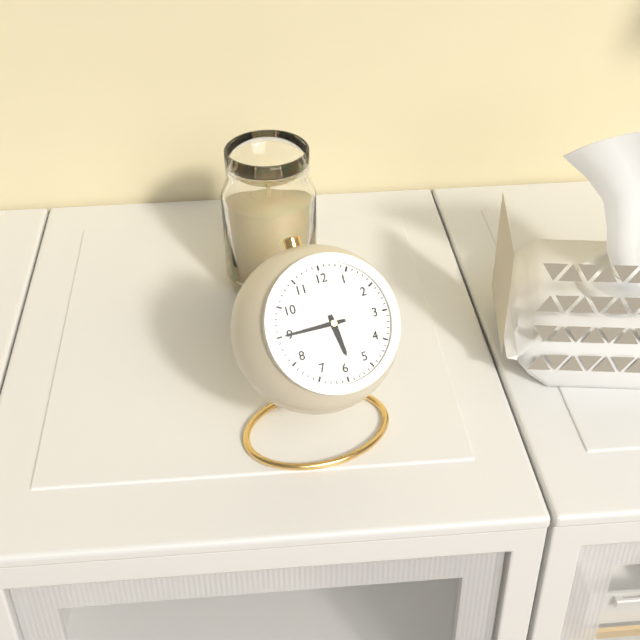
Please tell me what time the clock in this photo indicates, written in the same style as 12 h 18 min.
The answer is 5 h 45 min
